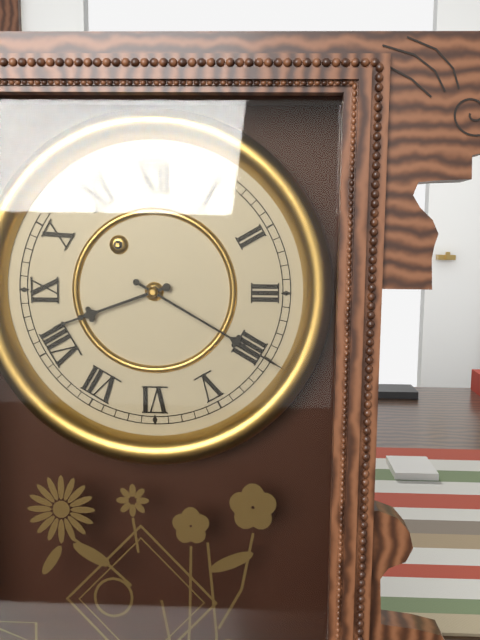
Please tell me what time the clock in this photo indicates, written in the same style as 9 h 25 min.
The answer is 8 h 20 min
